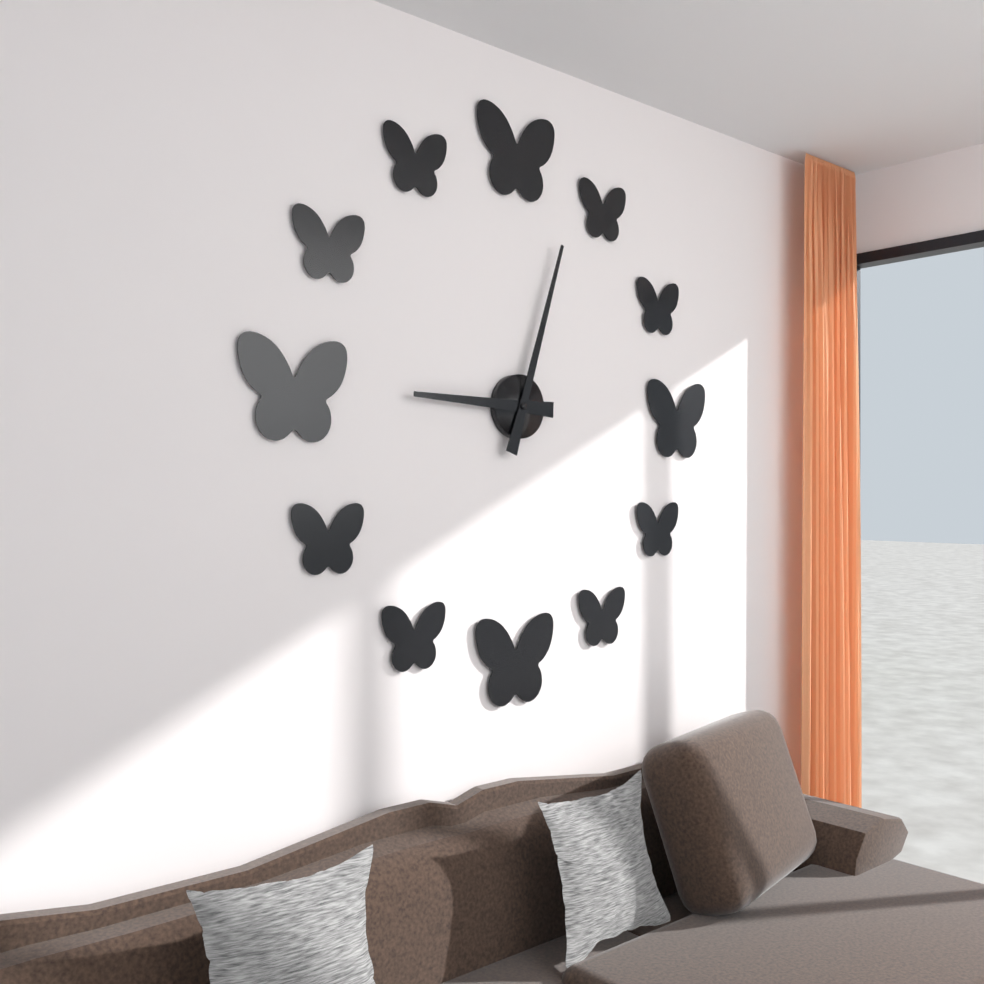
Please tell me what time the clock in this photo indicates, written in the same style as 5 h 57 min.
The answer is 9 h 03 min
